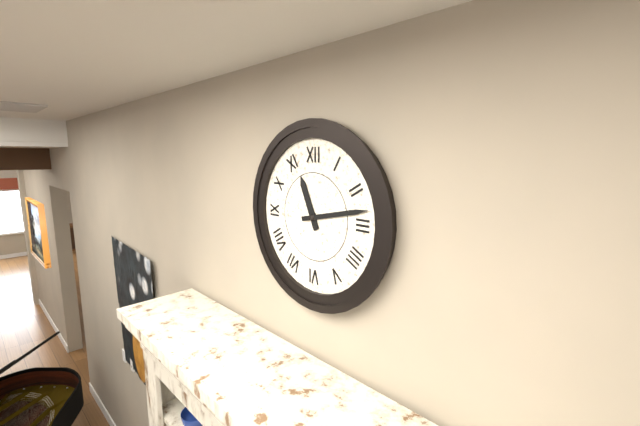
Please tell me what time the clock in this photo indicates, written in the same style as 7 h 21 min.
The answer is 11 h 13 min
